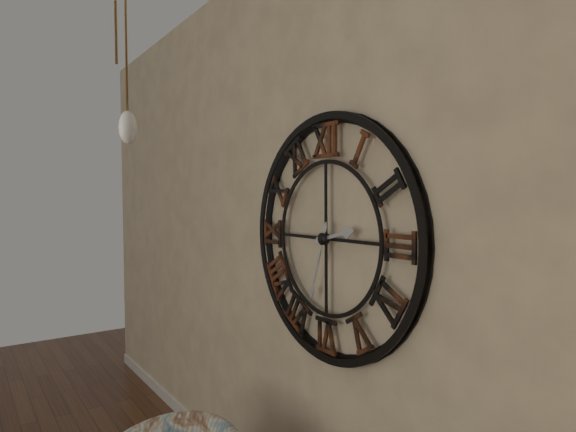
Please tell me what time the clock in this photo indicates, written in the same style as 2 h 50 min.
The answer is 2 h 33 min
